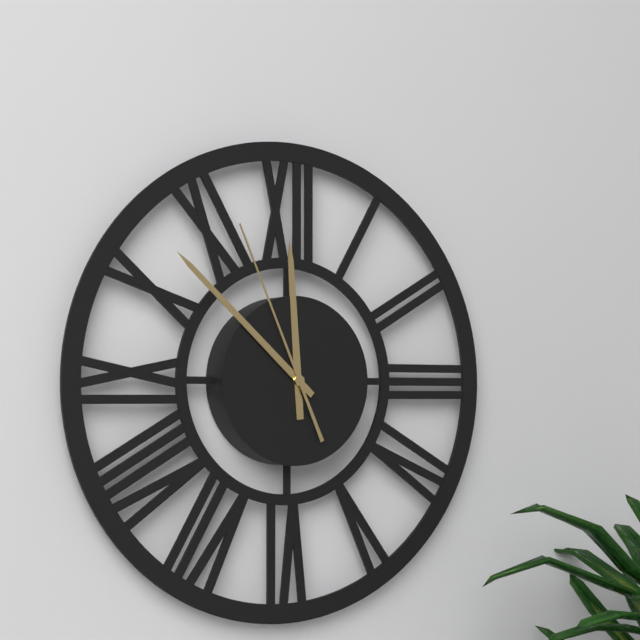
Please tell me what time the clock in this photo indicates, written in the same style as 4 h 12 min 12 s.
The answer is 11 h 52 min 56 s
